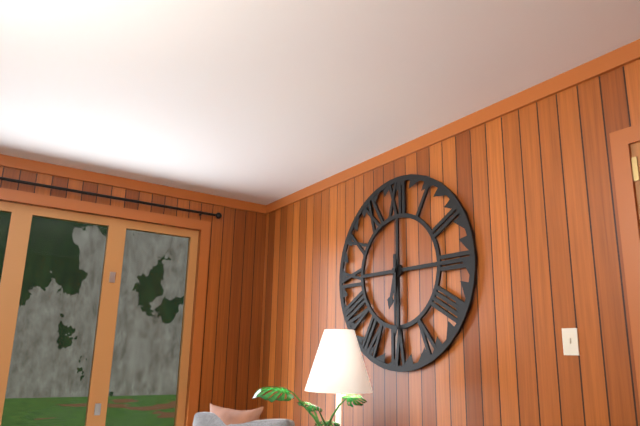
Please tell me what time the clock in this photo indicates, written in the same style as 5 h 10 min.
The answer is 6 h 30 min
